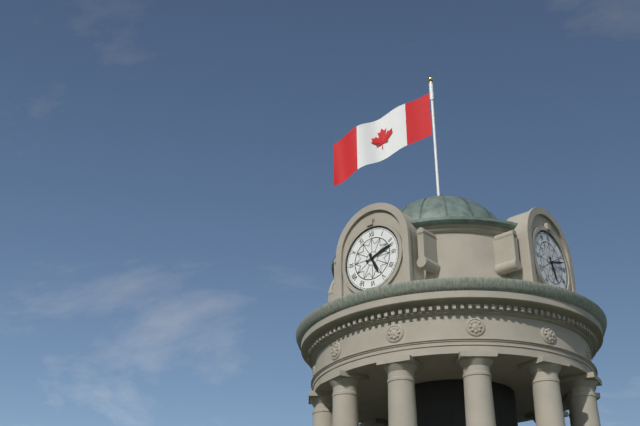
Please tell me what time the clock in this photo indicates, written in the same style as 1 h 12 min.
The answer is 5 h 12 min
